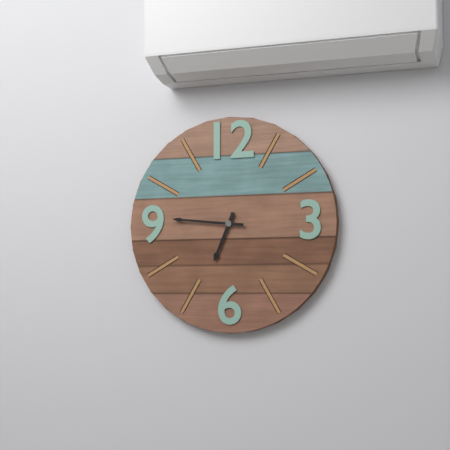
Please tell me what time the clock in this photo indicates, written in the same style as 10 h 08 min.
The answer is 6 h 46 min
